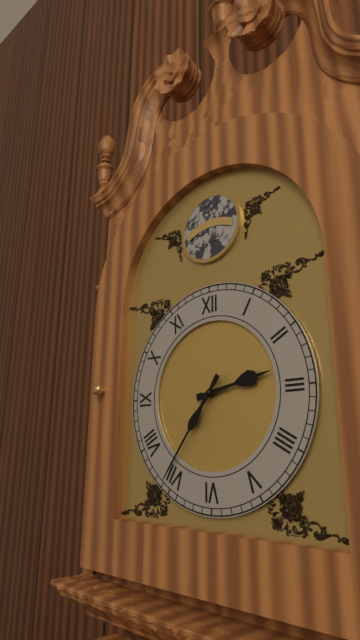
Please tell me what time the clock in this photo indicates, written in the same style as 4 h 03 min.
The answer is 2 h 36 min
